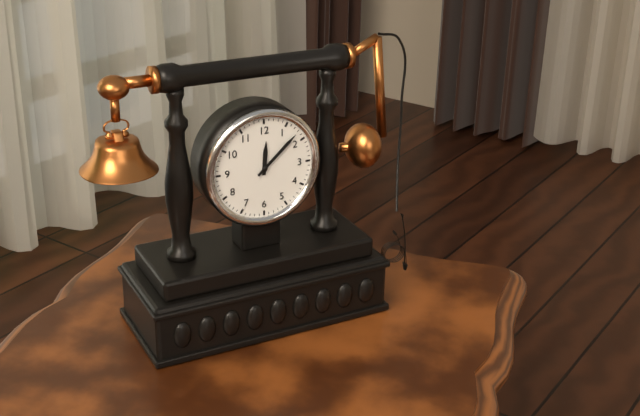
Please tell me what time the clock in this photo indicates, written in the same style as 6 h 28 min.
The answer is 12 h 08 min
